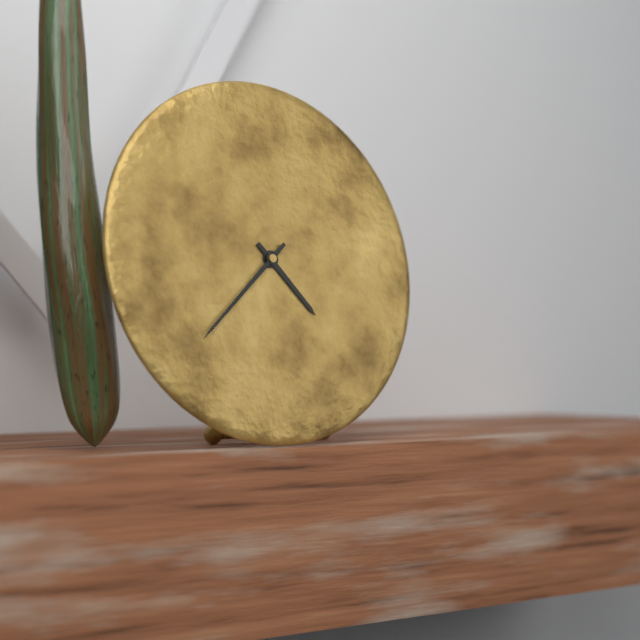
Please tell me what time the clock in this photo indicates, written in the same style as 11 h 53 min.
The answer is 4 h 38 min
